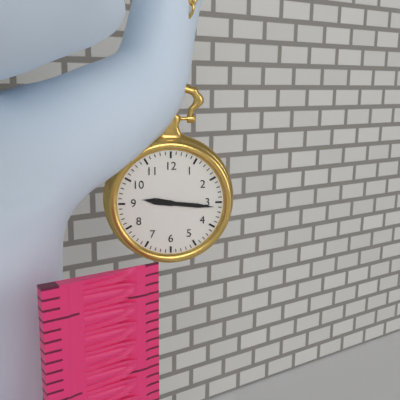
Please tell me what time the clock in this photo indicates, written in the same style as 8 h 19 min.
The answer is 9 h 16 min
